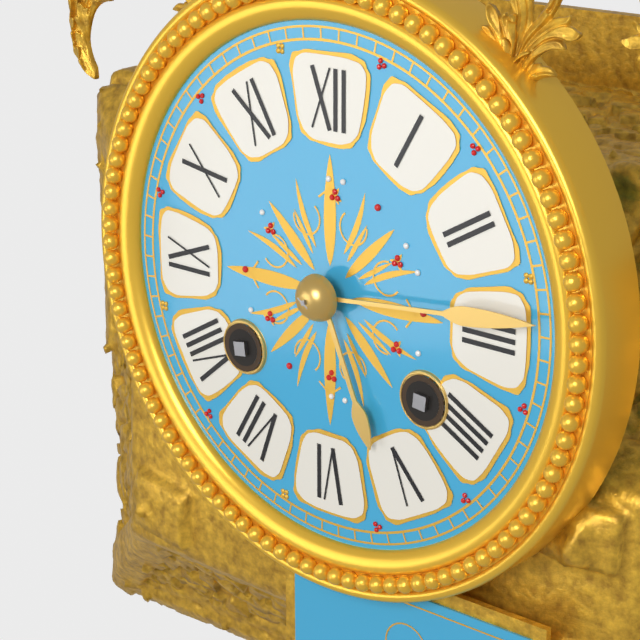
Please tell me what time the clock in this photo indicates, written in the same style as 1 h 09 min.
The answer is 5 h 14 min
